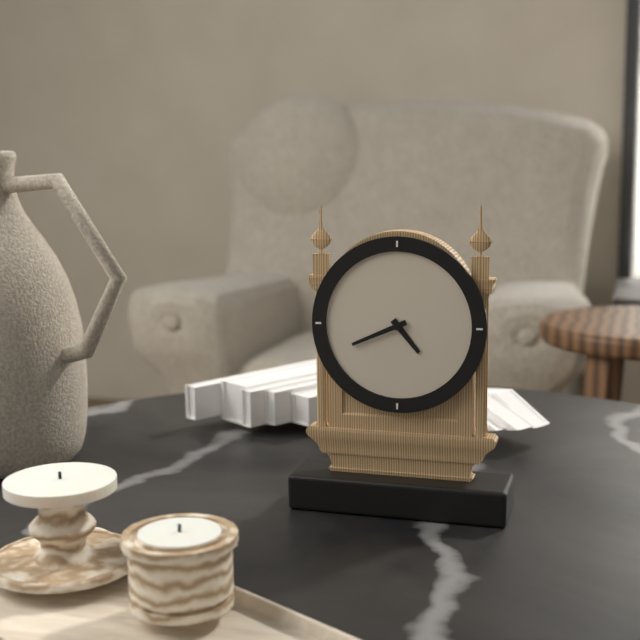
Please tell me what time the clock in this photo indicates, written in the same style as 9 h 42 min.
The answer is 4 h 41 min
